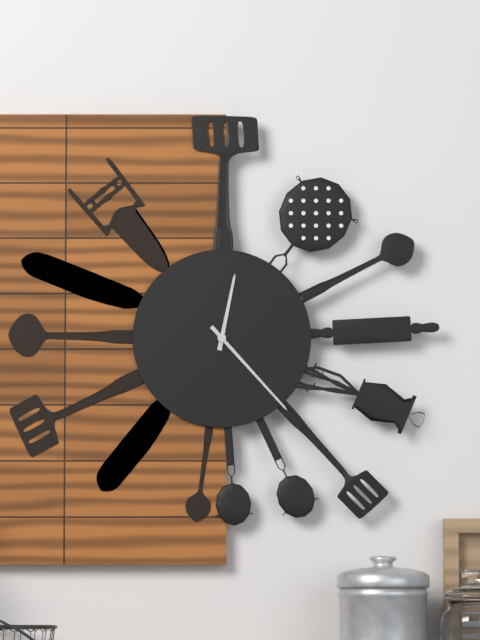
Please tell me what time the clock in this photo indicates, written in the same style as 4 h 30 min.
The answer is 12 h 23 min
